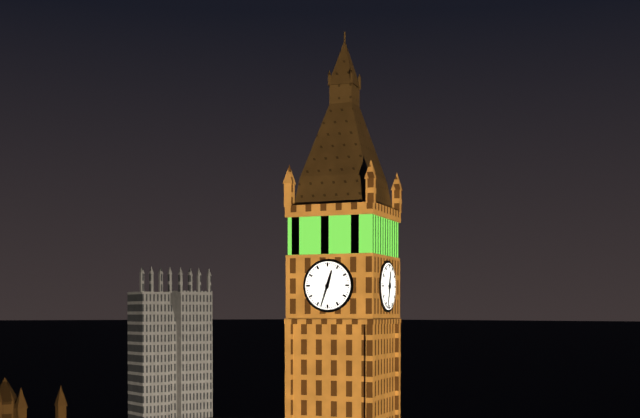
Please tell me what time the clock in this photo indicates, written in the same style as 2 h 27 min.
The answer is 12 h 33 min
